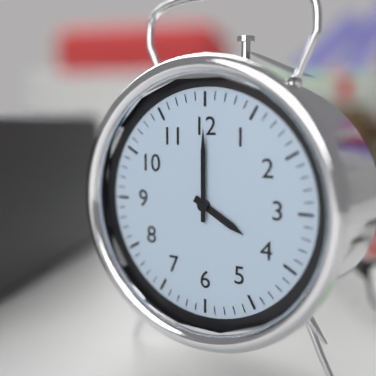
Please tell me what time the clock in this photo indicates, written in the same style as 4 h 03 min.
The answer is 4 h 00 min
